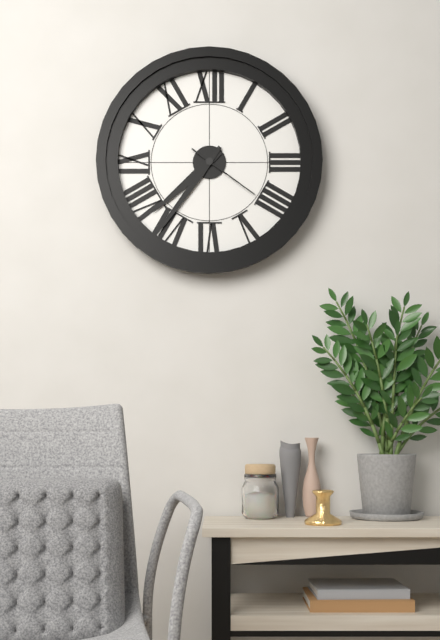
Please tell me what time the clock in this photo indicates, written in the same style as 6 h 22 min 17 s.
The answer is 7 h 36 min 21 s
